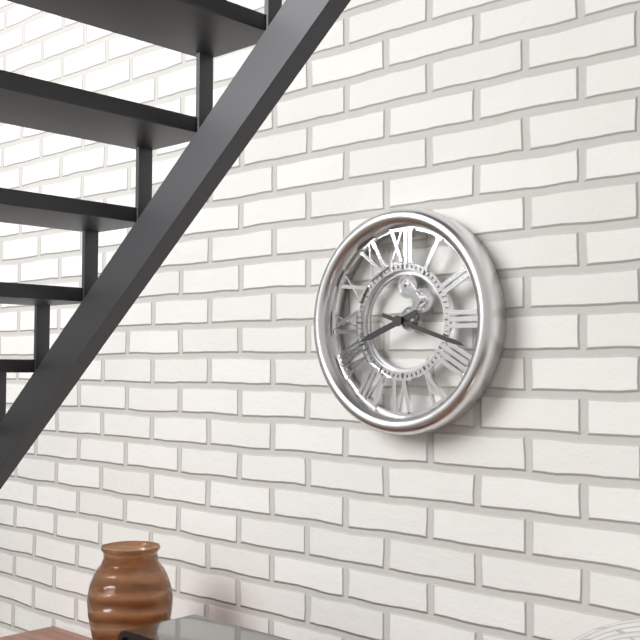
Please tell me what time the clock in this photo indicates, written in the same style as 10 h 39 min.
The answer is 8 h 18 min
